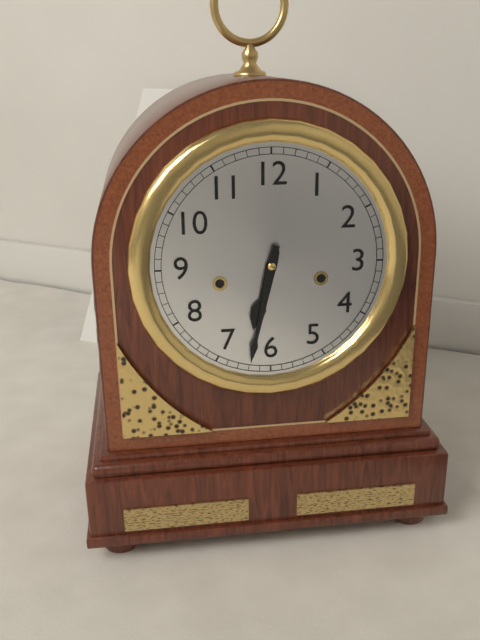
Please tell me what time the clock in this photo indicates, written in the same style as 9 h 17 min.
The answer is 6 h 32 min
